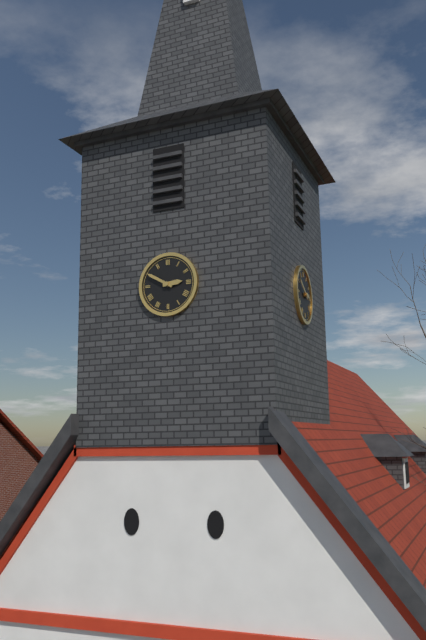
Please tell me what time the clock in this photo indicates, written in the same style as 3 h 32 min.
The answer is 2 h 50 min
